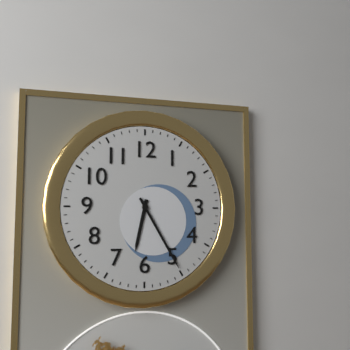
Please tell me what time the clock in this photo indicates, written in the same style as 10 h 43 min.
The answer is 6 h 25 min
